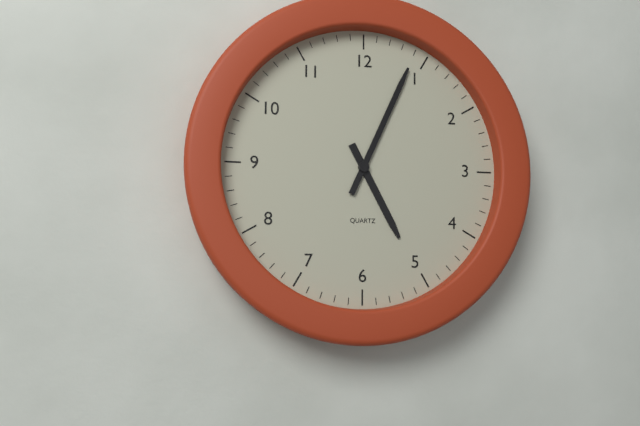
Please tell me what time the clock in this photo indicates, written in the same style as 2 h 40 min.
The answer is 5 h 04 min
